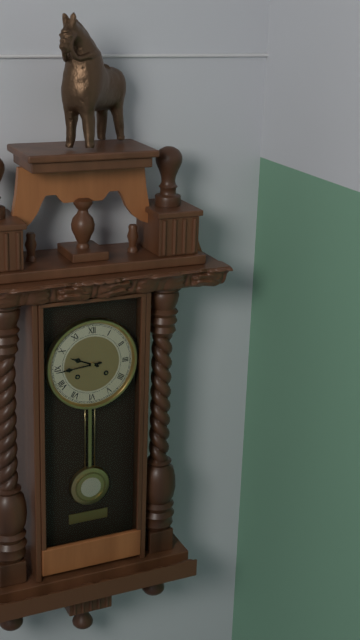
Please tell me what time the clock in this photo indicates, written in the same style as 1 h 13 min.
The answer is 9 h 44 min
